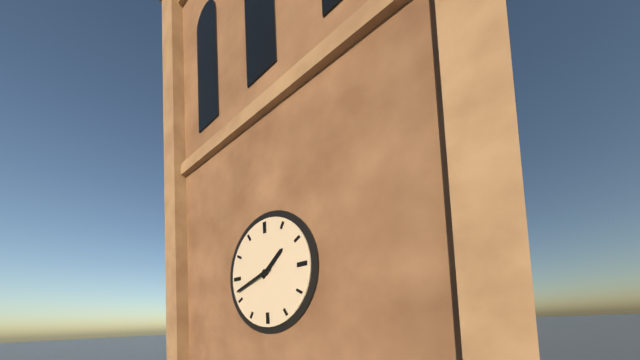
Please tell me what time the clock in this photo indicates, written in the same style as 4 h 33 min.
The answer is 1 h 42 min
